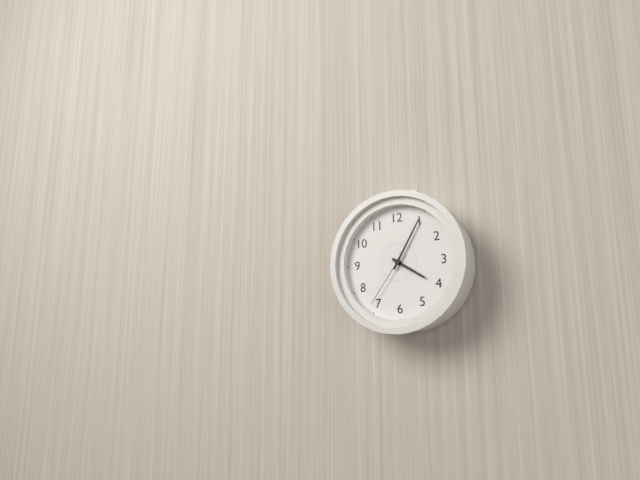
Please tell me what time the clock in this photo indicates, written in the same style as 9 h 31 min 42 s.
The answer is 4 h 05 min 36 s
